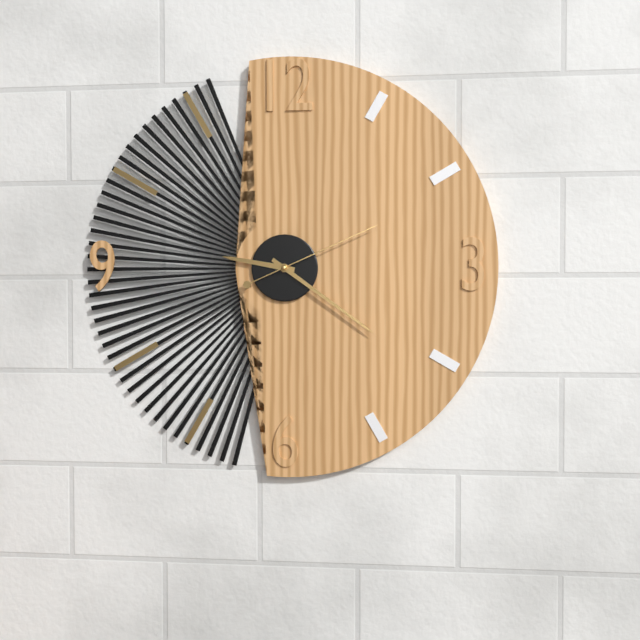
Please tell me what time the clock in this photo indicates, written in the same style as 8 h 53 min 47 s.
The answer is 9 h 21 min 11 s
